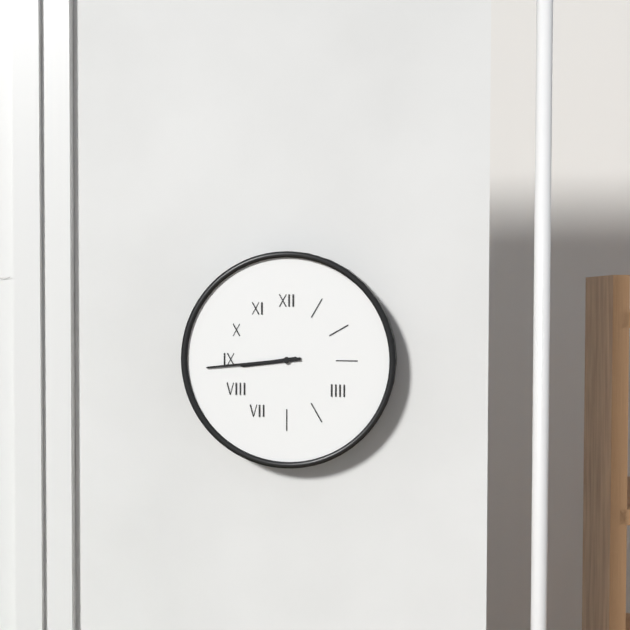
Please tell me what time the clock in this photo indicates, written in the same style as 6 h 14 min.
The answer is 8 h 44 min
